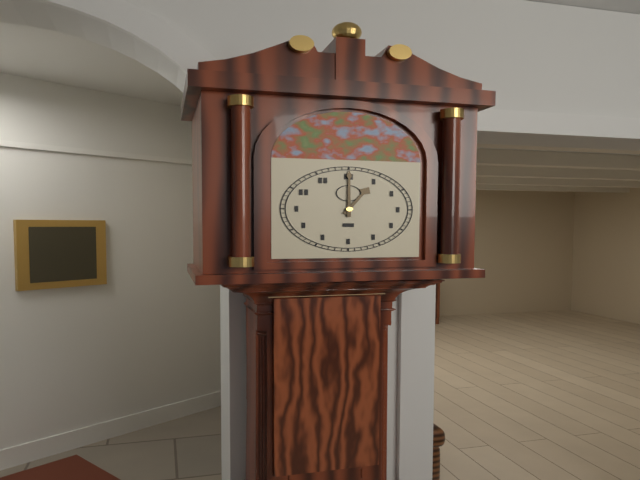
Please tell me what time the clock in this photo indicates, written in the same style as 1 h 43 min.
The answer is 1 h 00 min
